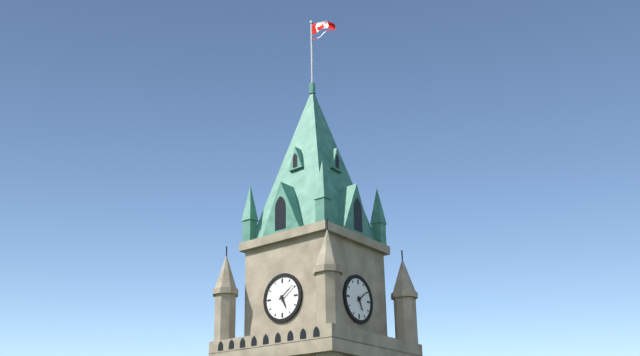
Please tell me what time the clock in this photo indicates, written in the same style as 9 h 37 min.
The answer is 5 h 09 min
